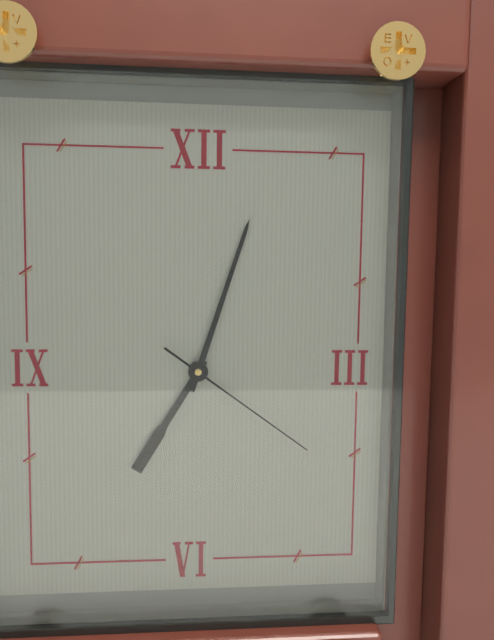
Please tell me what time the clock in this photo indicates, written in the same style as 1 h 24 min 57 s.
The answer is 7 h 03 min 21 s
